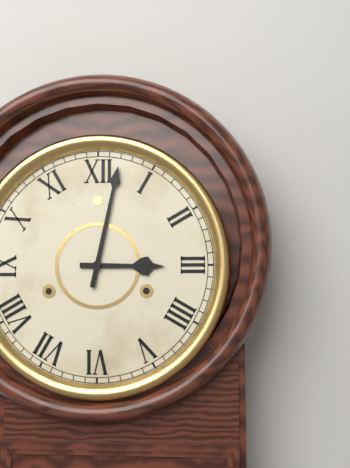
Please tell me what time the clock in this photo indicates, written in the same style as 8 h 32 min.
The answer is 3 h 02 min
